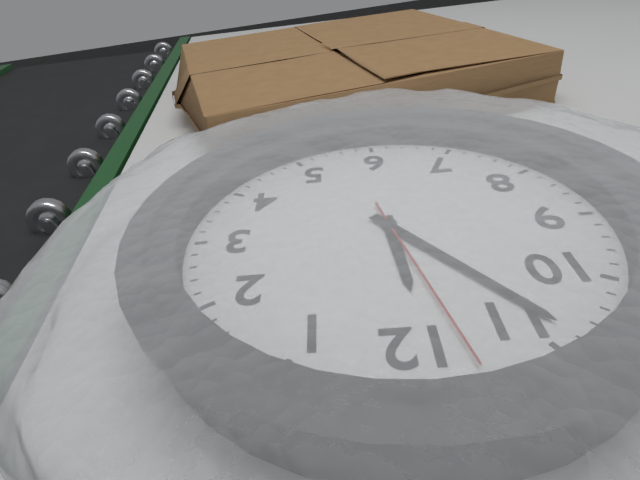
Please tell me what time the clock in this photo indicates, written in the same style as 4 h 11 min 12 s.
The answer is 11 h 54 min 58 s
